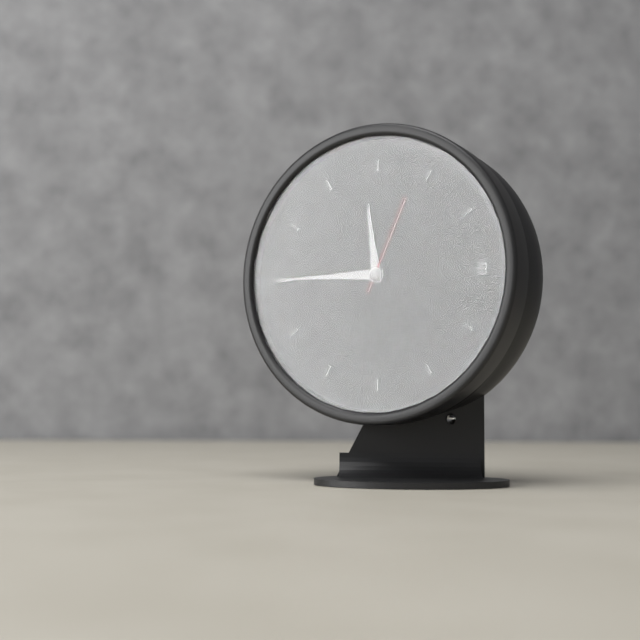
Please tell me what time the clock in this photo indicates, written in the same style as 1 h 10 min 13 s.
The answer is 11 h 45 min 04 s
